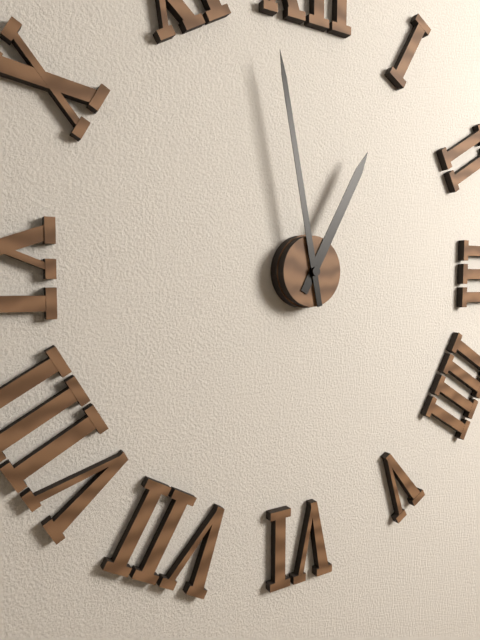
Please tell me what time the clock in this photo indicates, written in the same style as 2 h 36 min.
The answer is 12 h 58 min
